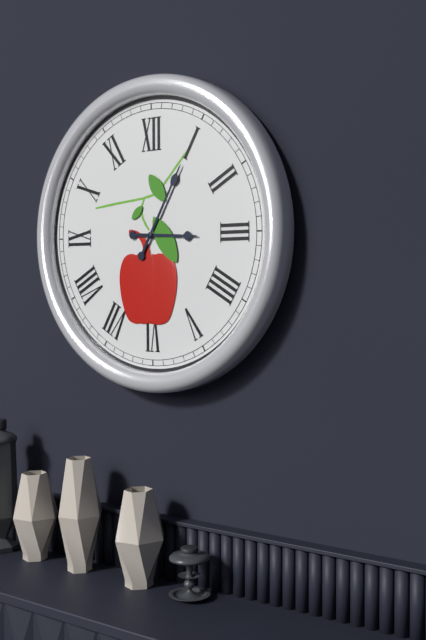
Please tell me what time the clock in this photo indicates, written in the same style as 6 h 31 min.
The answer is 3 h 05 min
